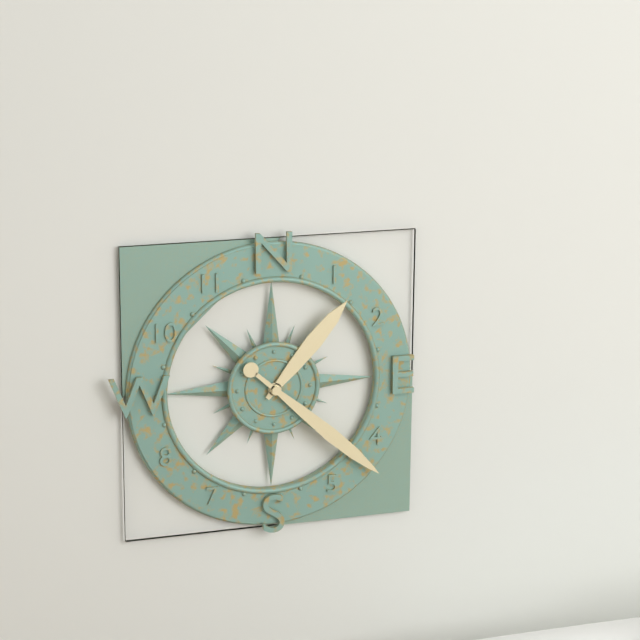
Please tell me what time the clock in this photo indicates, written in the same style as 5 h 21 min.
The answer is 1 h 22 min
